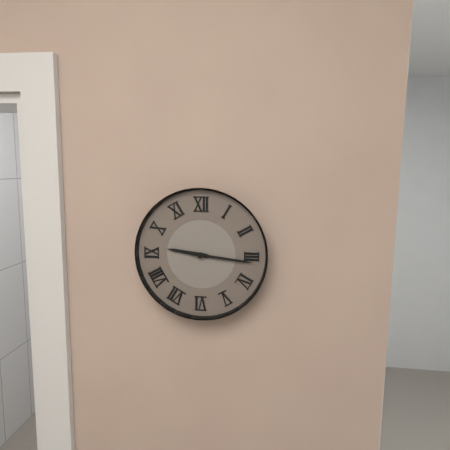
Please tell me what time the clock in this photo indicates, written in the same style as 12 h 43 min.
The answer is 9 h 16 min
